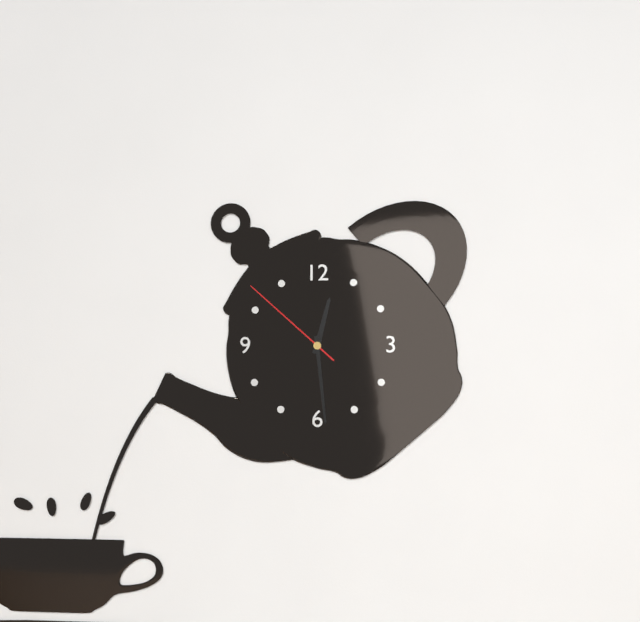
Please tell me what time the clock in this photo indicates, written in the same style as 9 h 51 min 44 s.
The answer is 12 h 29 min 52 s
